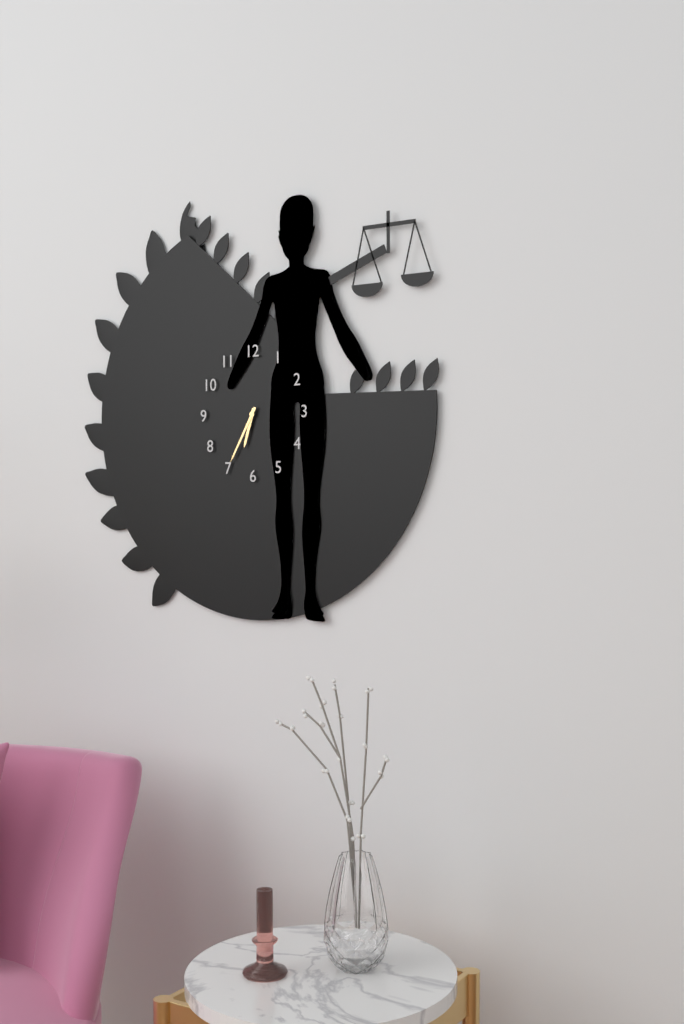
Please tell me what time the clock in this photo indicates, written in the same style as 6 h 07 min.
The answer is 6 h 35 min
